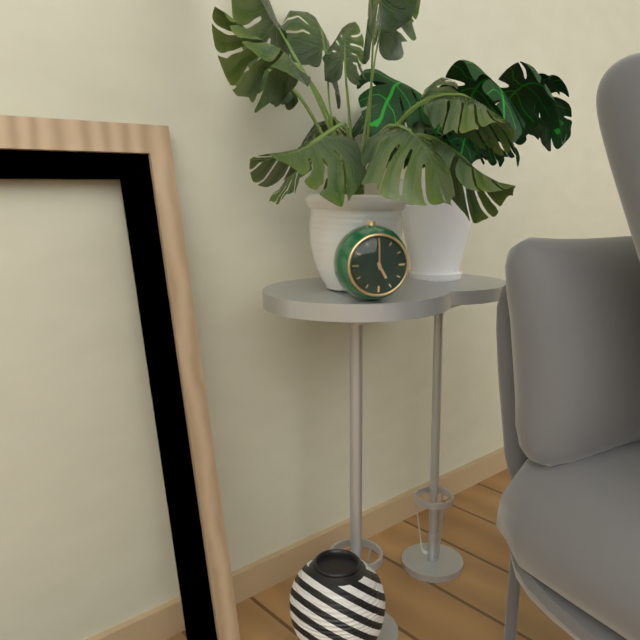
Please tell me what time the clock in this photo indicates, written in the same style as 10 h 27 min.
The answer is 5 h 00 min
